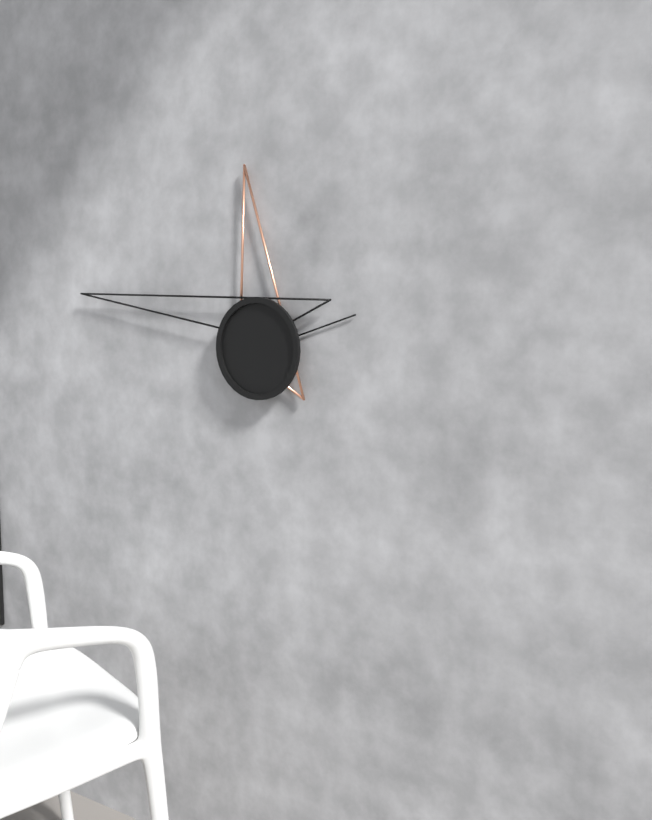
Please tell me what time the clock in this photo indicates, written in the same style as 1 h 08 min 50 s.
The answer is 11 h 47 min 12 s
